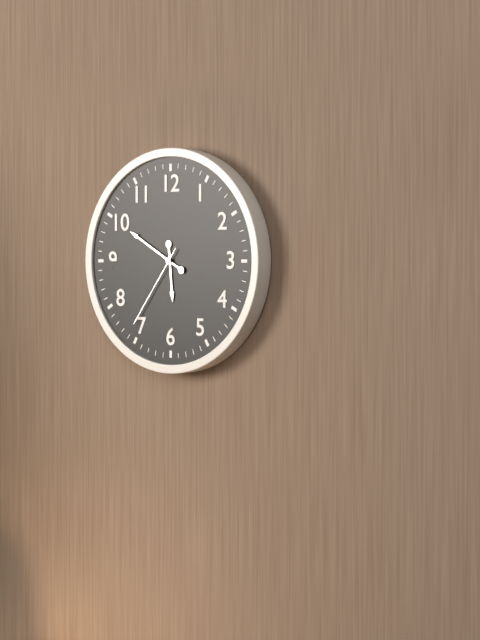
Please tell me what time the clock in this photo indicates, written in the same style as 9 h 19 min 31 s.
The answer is 5 h 50 min 36 s
